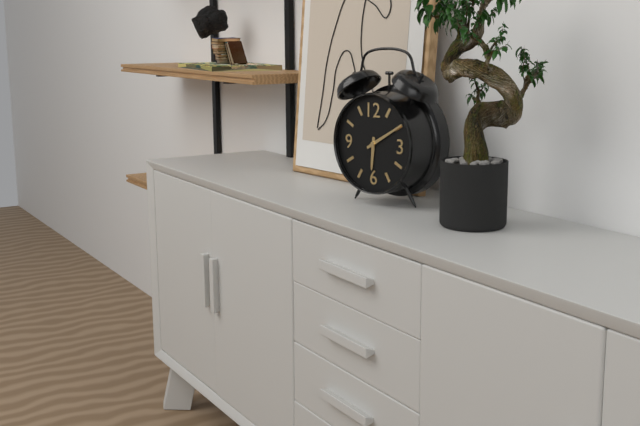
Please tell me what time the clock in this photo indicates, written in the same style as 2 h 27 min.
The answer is 6 h 10 min
